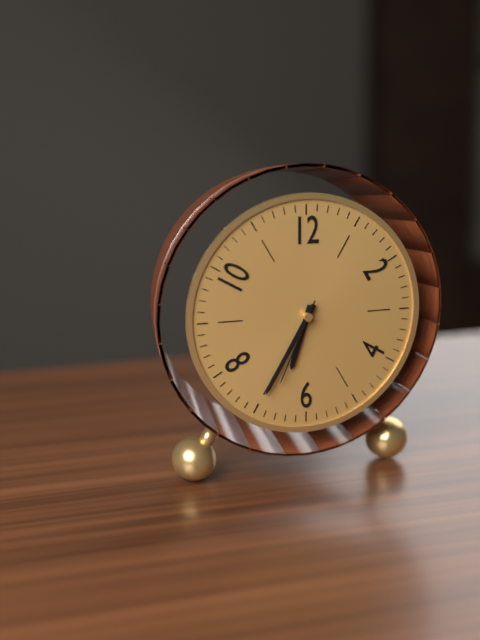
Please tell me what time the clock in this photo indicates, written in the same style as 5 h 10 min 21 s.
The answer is 6 h 35 min 34 s
